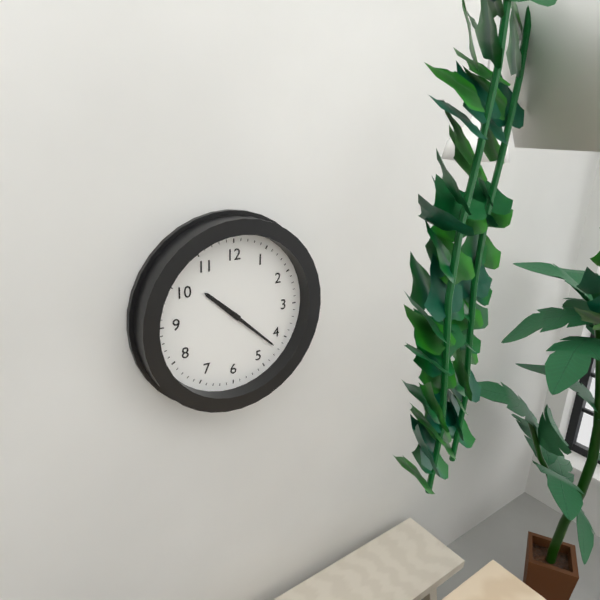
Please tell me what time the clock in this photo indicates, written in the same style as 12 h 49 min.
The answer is 10 h 22 min
